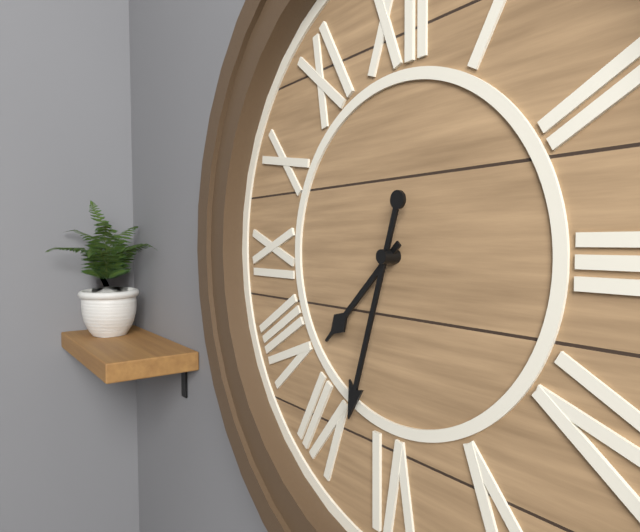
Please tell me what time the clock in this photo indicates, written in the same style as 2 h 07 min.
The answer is 7 h 33 min
